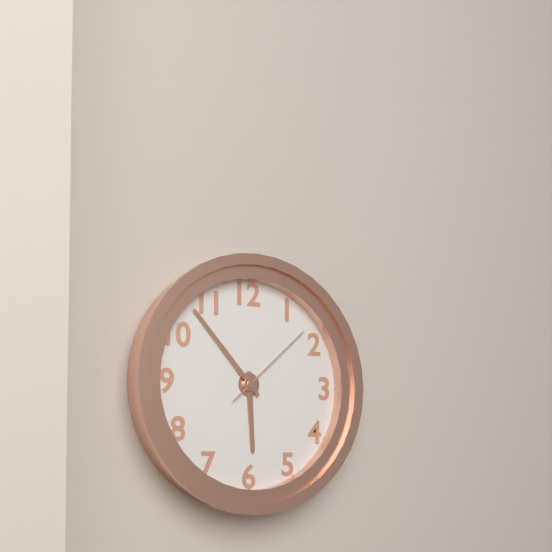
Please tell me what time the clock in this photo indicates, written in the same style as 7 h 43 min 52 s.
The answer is 5 h 53 min 08 s
